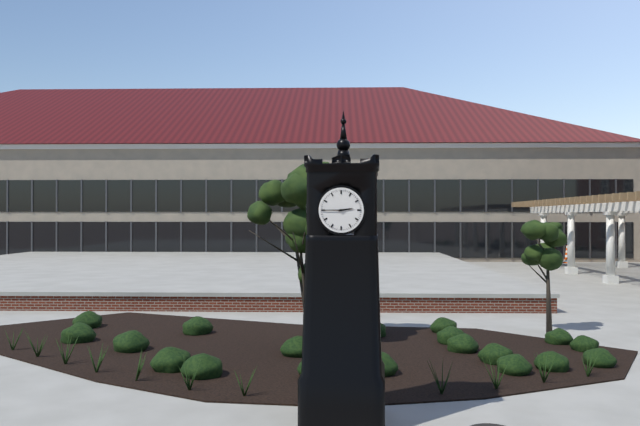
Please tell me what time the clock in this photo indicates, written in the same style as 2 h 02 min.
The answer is 2 h 45 min
